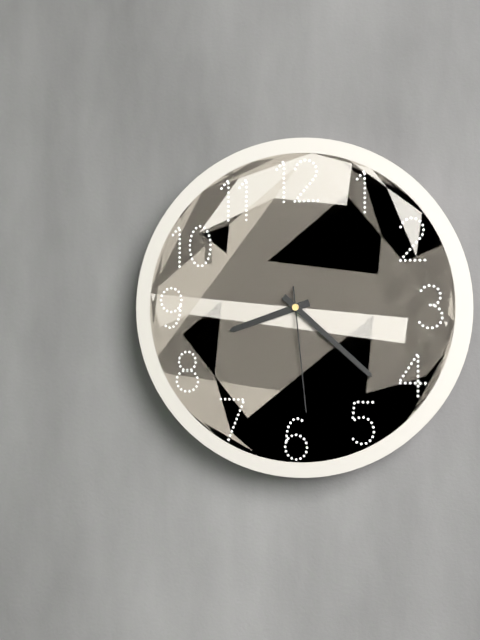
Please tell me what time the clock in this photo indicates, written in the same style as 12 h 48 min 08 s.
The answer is 8 h 22 min 29 s
